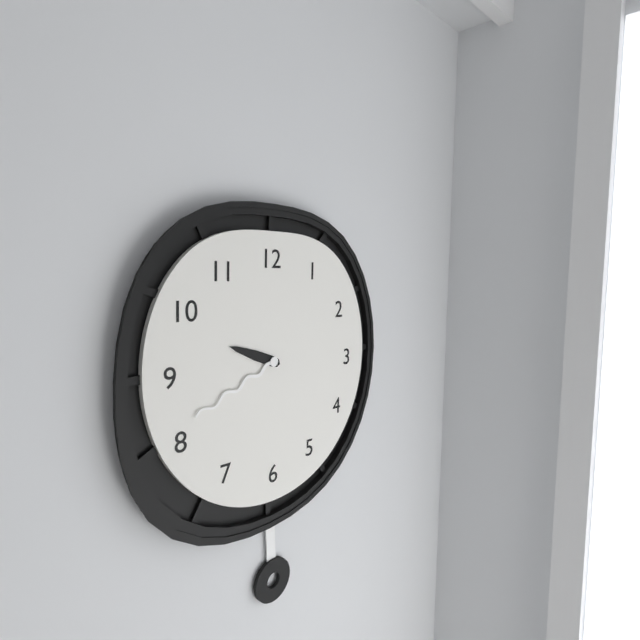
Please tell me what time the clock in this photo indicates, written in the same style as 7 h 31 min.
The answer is 9 h 41 min
